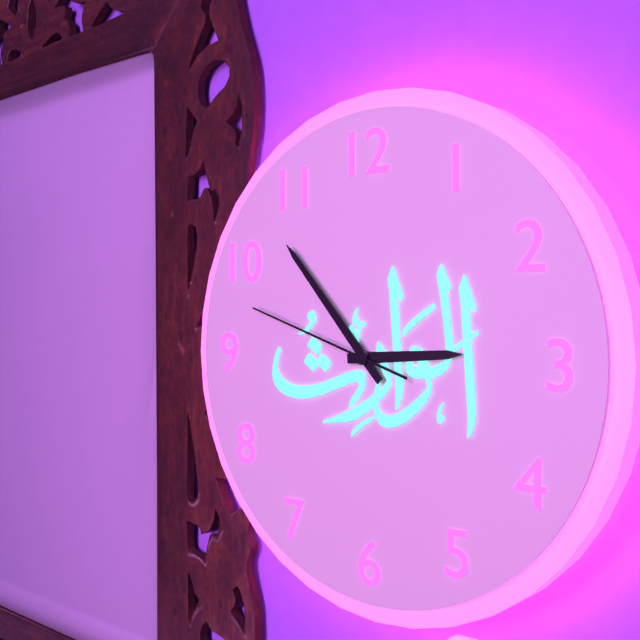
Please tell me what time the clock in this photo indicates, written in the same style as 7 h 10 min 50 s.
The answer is 2 h 53 min 48 s
